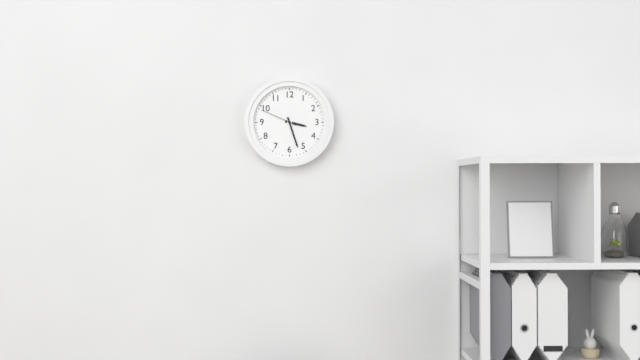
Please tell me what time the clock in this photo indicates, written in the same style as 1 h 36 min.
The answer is 3 h 27 min
